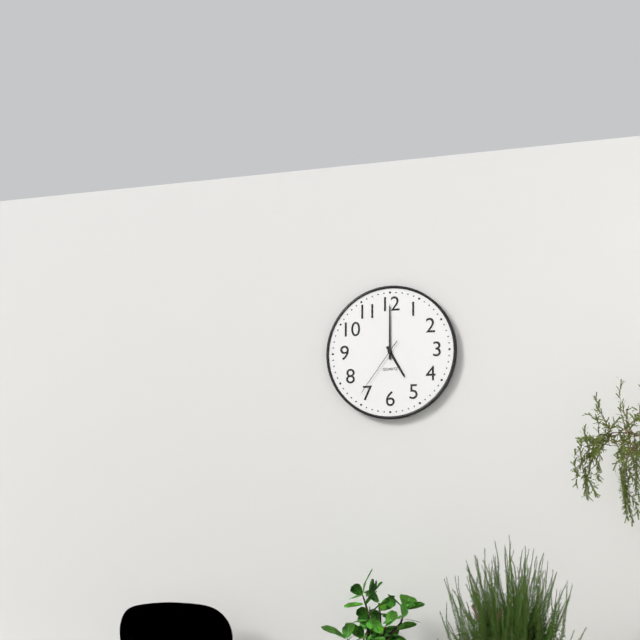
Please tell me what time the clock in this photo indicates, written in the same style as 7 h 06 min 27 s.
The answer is 5 h 00 min 36 s
